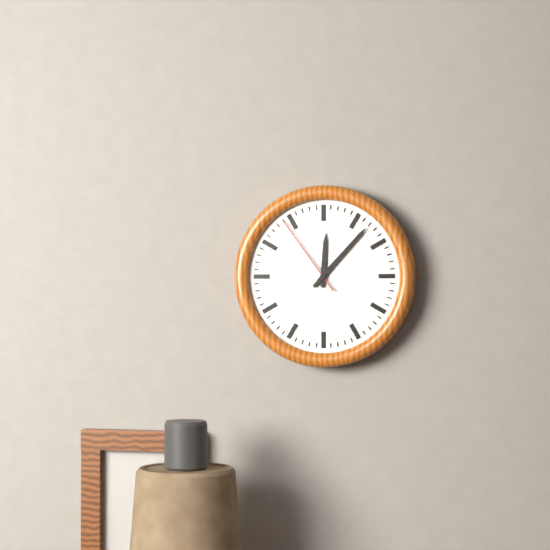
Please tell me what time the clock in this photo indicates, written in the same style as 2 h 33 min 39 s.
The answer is 12 h 07 min 54 s
